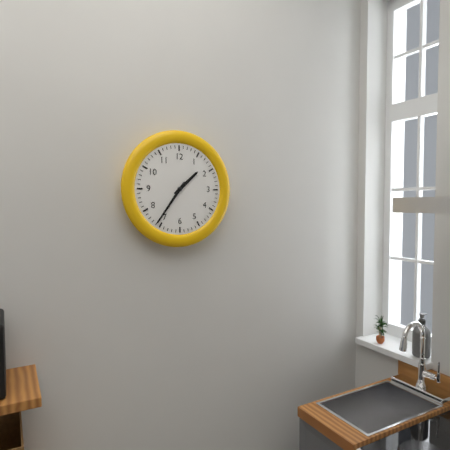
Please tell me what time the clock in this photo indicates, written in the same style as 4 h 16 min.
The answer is 1 h 36 min
